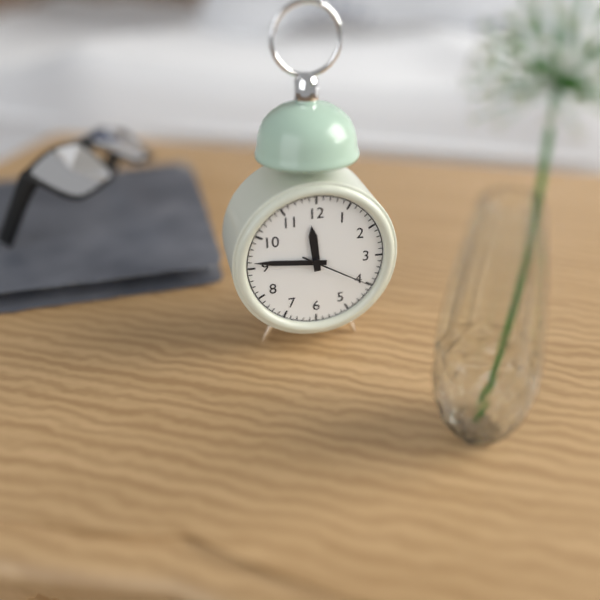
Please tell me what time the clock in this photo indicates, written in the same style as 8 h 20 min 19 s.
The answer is 11 h 46 min 20 s
